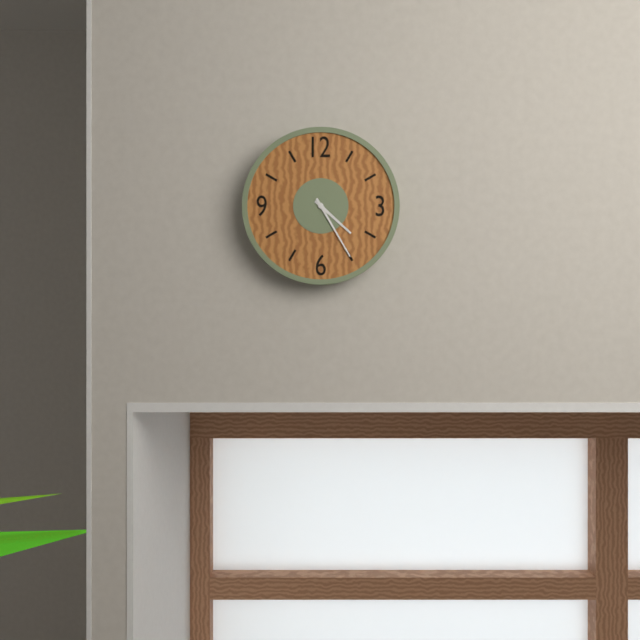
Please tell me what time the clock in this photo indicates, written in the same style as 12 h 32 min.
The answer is 4 h 25 min
